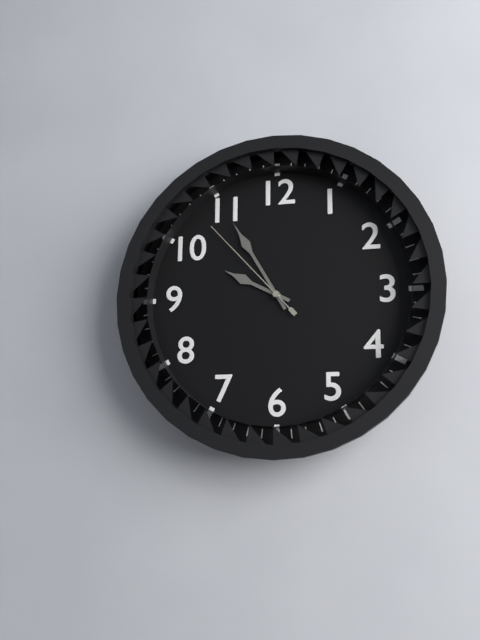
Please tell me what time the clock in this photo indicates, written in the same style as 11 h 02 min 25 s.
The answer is 9 h 55 min 53 s
